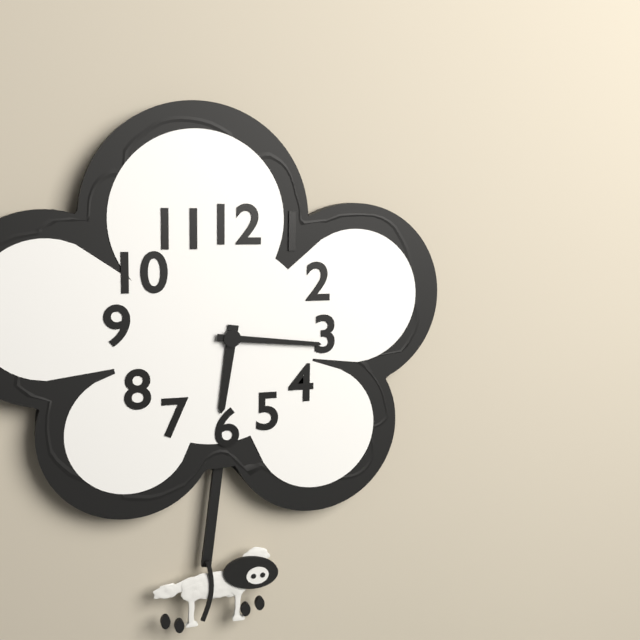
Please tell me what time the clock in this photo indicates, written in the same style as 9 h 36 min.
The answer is 6 h 16 min
